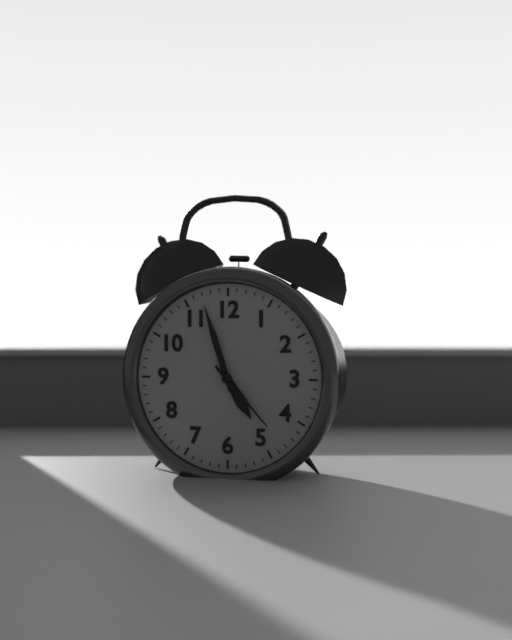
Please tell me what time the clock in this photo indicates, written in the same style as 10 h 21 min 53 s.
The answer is 4 h 57 min 23 s
